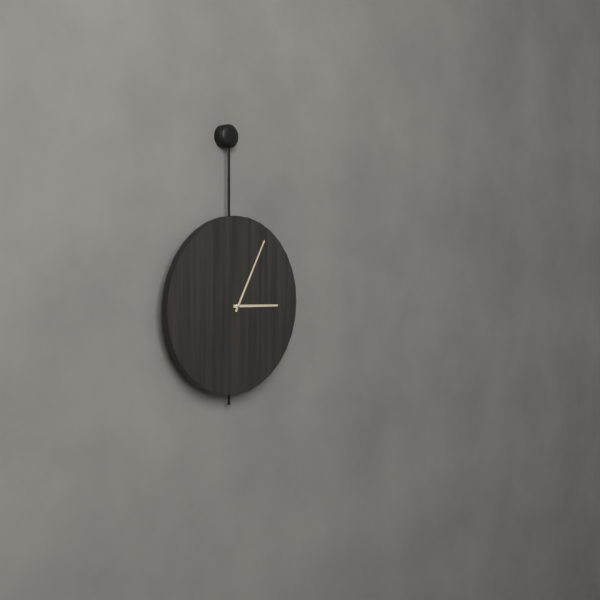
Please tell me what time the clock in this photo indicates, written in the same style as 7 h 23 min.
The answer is 3 h 05 min
